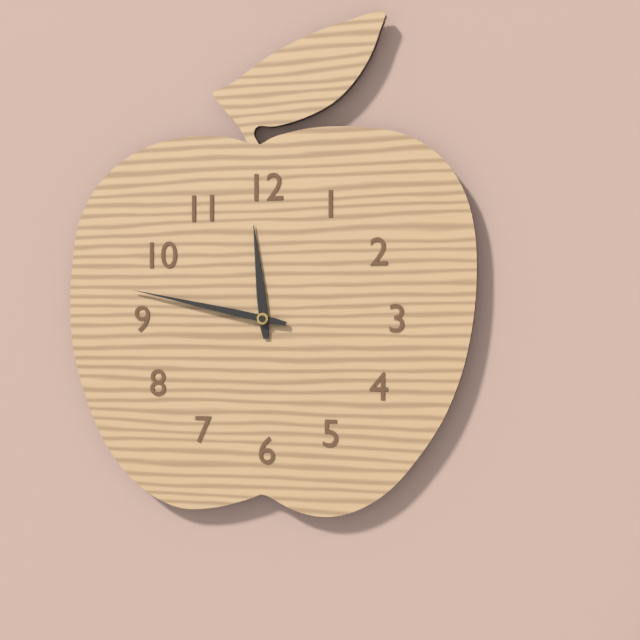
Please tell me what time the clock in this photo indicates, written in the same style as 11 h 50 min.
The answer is 11 h 47 min
